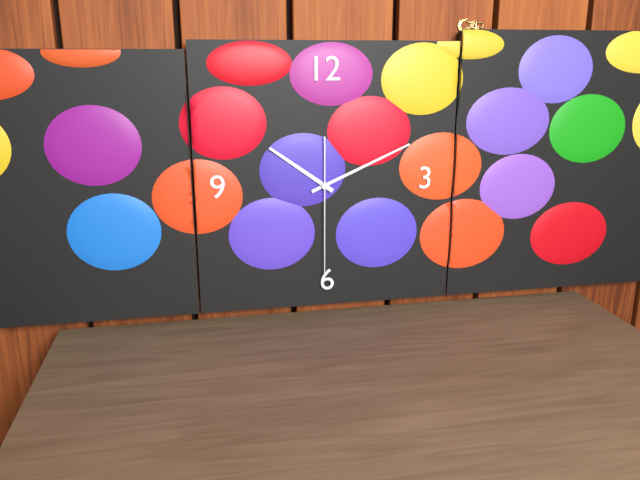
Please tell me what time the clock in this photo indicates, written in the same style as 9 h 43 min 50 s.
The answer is 10 h 11 min 30 s
